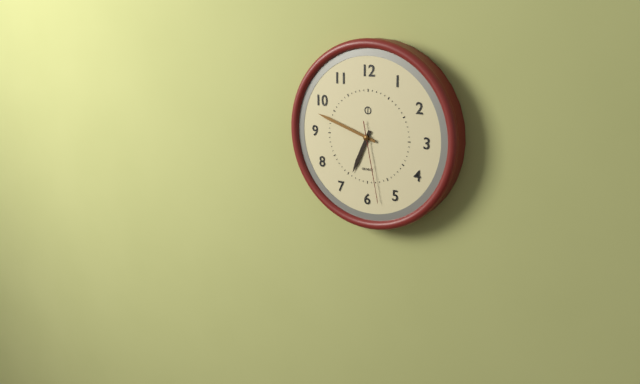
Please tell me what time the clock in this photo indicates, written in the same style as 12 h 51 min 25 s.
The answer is 6 h 48 min 28 s
